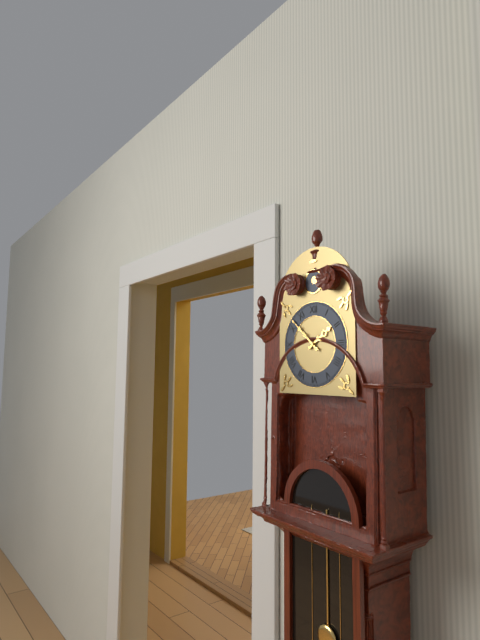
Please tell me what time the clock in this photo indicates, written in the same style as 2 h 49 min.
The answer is 1 h 52 min
